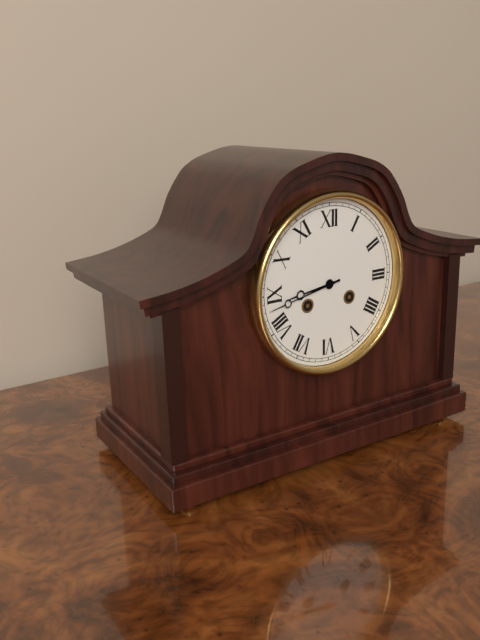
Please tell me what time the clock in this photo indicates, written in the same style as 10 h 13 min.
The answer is 8 h 43 min
